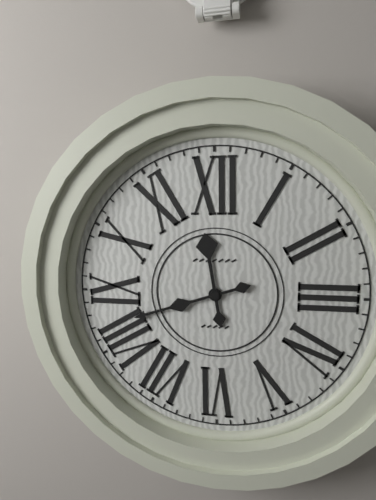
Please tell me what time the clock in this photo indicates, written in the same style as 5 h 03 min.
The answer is 11 h 42 min
